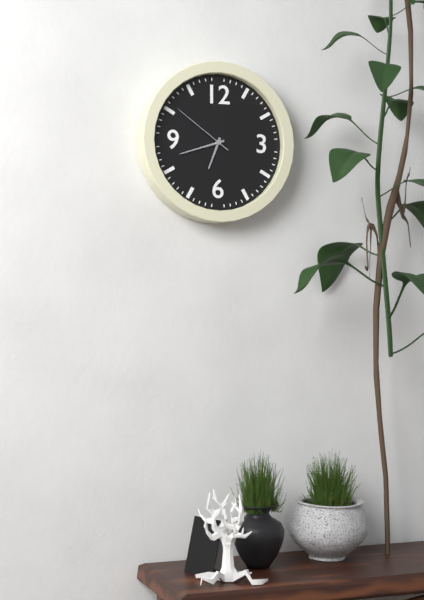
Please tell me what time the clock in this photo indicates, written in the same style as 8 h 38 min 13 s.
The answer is 6 h 42 min 51 s
